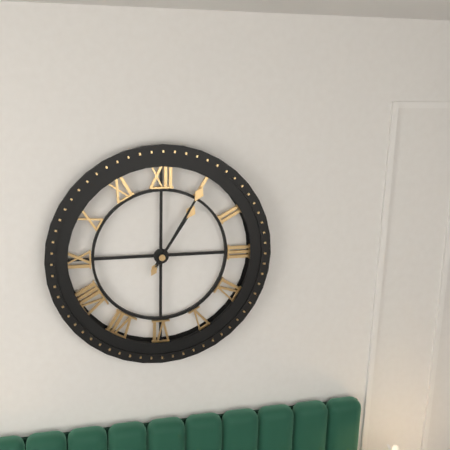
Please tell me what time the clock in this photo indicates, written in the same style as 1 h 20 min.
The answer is 1 h 05 min
